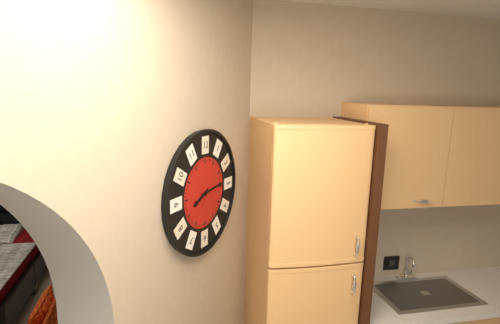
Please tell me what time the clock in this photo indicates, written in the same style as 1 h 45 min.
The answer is 8 h 14 min
